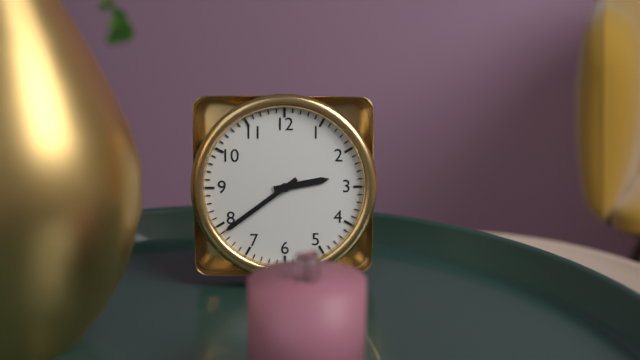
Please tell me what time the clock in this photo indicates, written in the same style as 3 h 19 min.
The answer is 2 h 39 min
